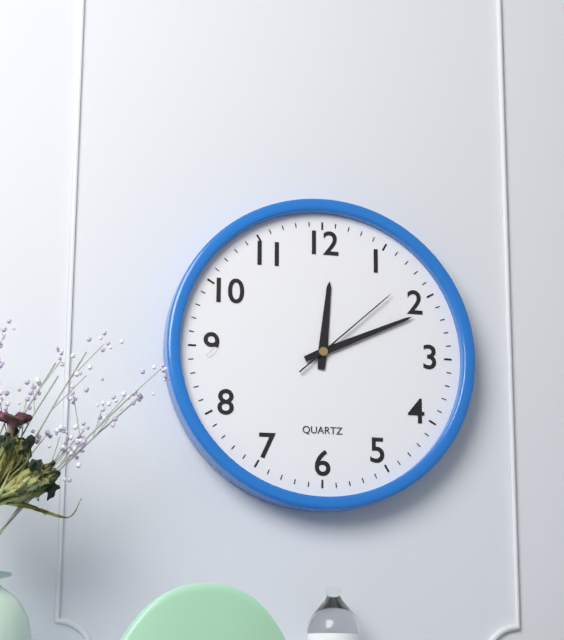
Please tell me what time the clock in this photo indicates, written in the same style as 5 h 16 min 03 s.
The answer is 12 h 11 min 08 s
